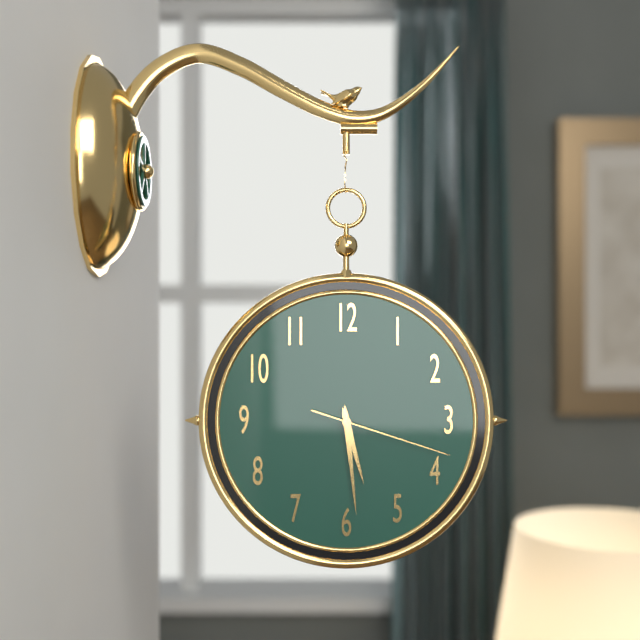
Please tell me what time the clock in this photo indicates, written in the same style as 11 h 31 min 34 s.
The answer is 5 h 29 min 18 s
